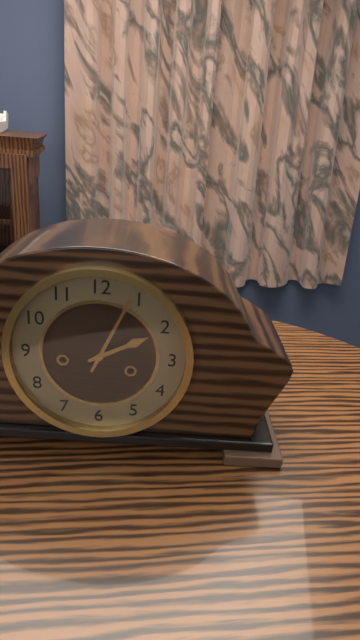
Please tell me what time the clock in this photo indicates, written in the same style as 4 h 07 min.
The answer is 2 h 04 min
